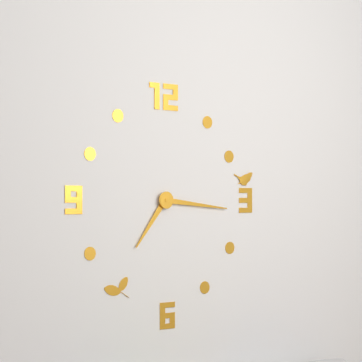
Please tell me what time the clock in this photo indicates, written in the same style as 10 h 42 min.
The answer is 7 h 16 min
